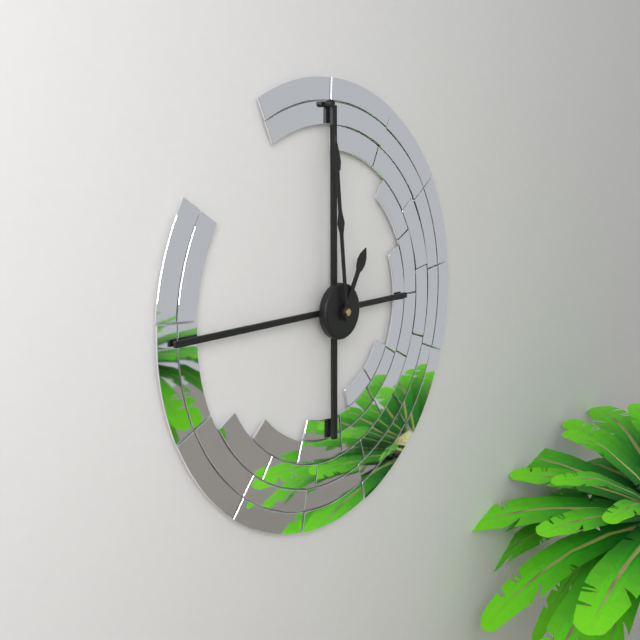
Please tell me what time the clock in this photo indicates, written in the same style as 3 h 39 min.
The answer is 12 h 59 min
